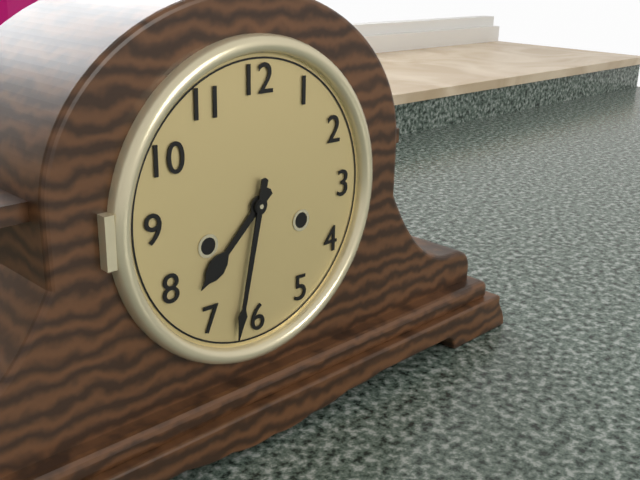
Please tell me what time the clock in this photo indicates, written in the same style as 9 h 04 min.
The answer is 7 h 32 min
